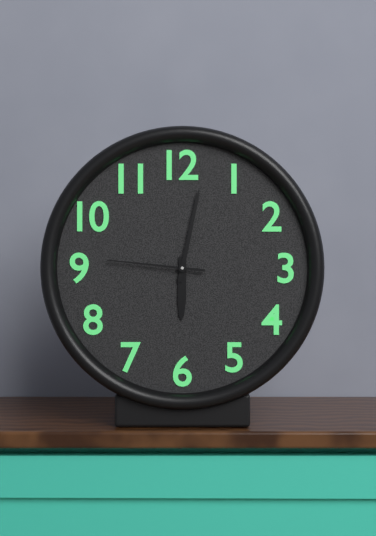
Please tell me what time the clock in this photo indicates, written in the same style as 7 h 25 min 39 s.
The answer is 6 h 02 min 46 s
